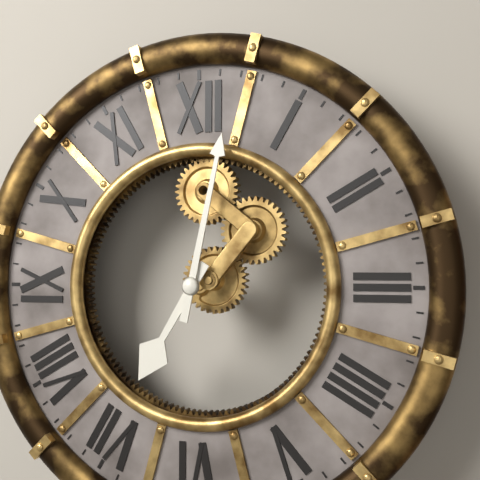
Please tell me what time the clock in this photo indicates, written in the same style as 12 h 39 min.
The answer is 7 h 02 min
